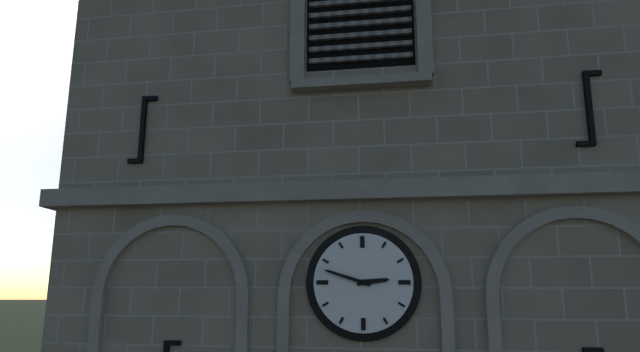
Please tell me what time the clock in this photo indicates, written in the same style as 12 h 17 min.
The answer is 2 h 48 min
